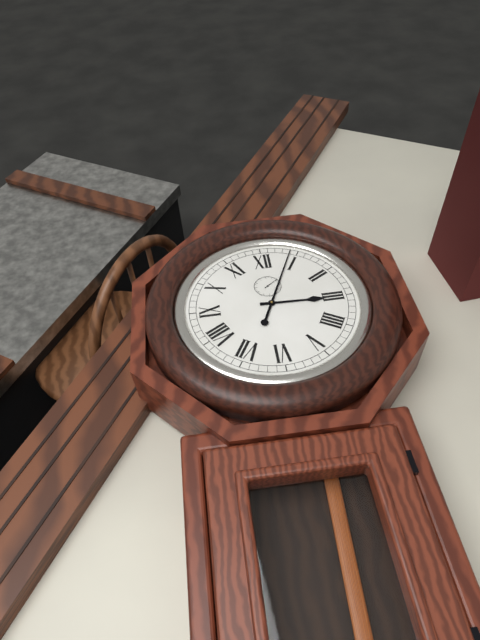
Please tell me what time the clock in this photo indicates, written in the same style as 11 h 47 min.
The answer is 3 h 04 min
